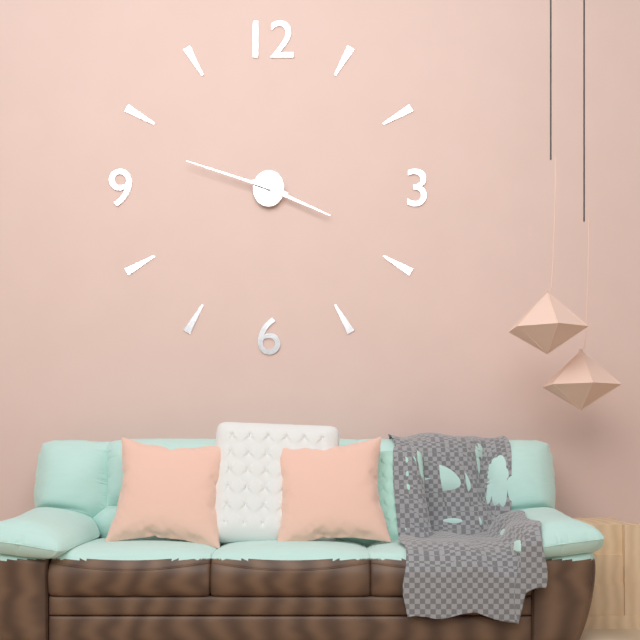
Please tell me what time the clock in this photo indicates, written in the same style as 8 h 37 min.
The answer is 3 h 48 min
